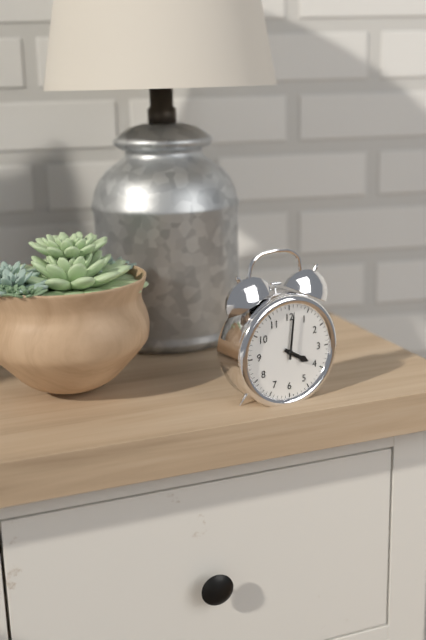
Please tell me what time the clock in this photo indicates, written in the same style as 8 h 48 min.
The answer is 4 h 01 min
